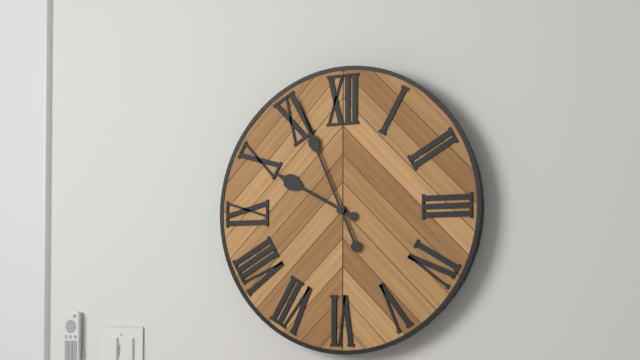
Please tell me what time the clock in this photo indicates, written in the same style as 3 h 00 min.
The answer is 9 h 56 min
